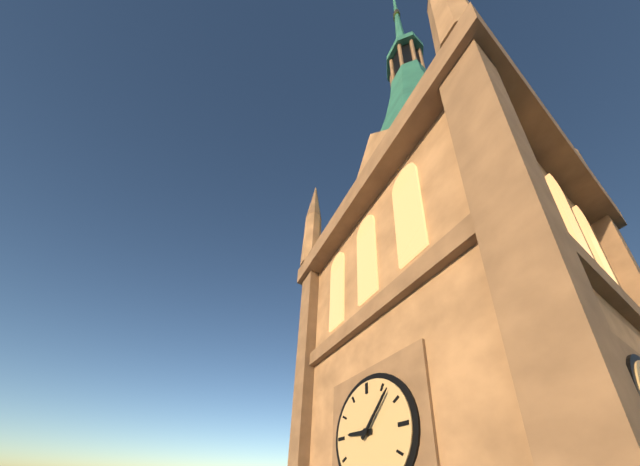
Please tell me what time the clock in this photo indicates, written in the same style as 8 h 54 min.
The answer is 9 h 07 min
